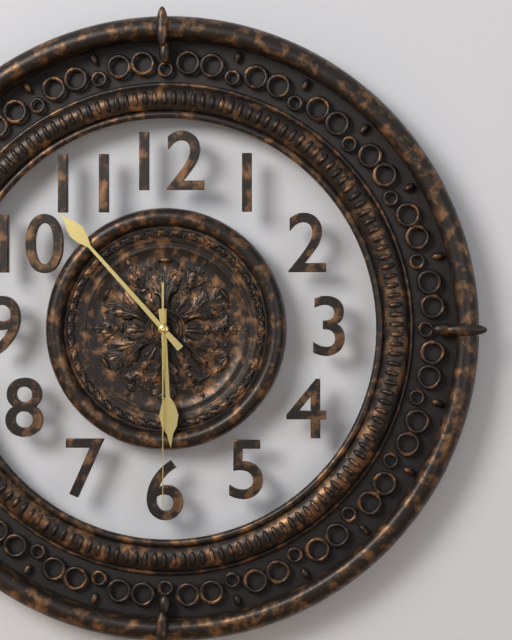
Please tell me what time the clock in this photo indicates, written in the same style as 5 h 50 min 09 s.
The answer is 5 h 53 min 30 s
